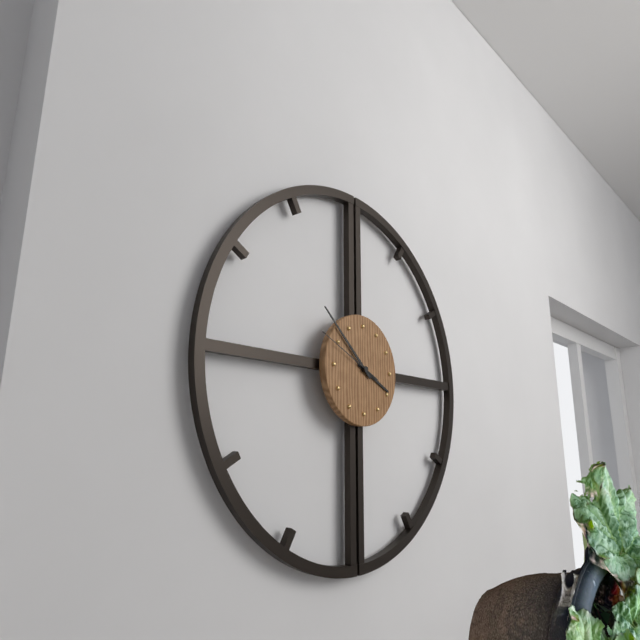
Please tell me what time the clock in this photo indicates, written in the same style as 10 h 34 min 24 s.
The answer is 3 h 52 min 49 s
